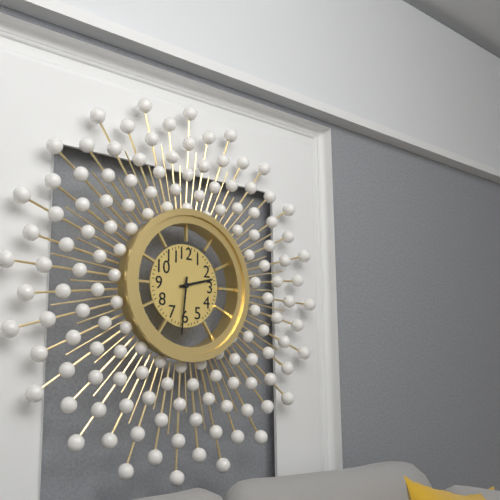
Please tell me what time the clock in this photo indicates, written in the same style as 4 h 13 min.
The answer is 2 h 31 min
